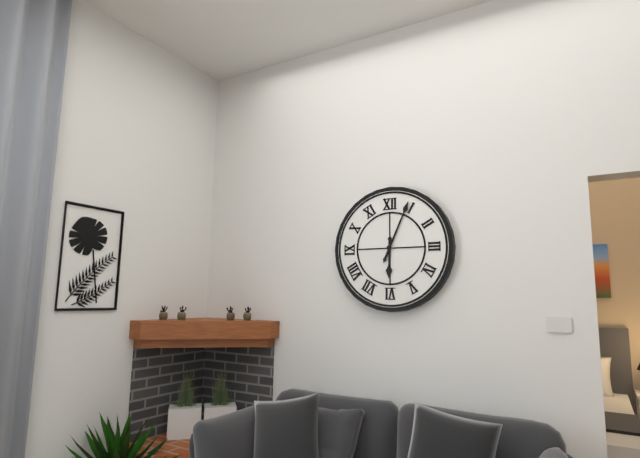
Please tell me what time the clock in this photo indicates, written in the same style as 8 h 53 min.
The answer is 6 h 04 min
